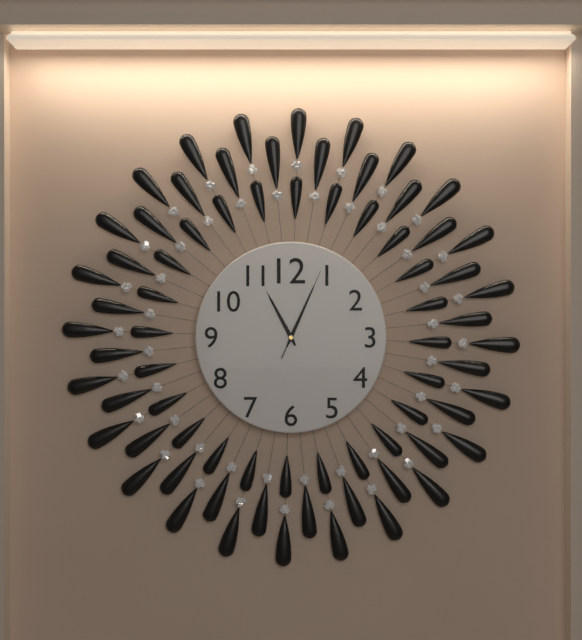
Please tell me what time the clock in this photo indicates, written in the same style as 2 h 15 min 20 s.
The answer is 11 h 04 min 04 s
